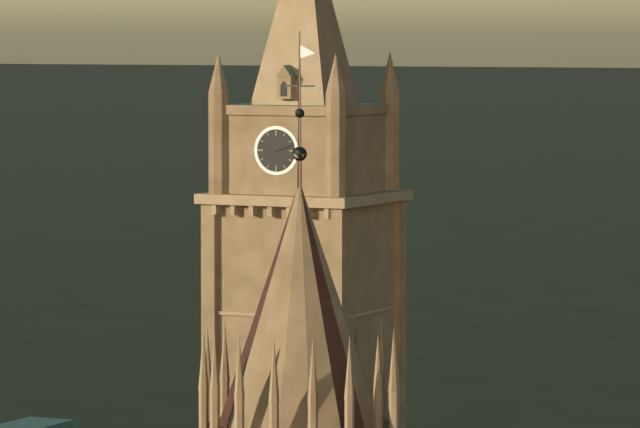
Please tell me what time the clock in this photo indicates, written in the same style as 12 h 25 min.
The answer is 3 h 12 min
